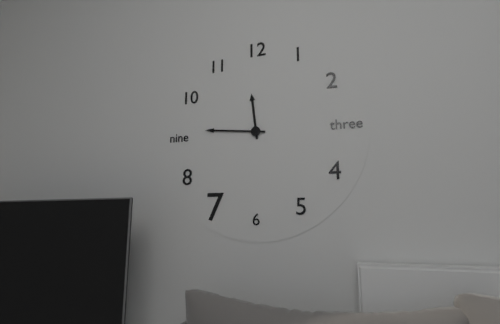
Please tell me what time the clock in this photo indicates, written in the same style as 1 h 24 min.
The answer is 11 h 46 min
